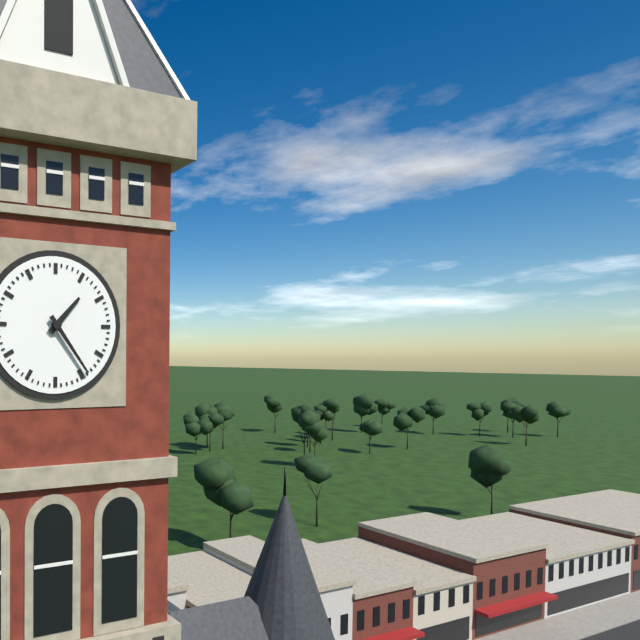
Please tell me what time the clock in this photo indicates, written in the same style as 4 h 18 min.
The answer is 1 h 24 min
